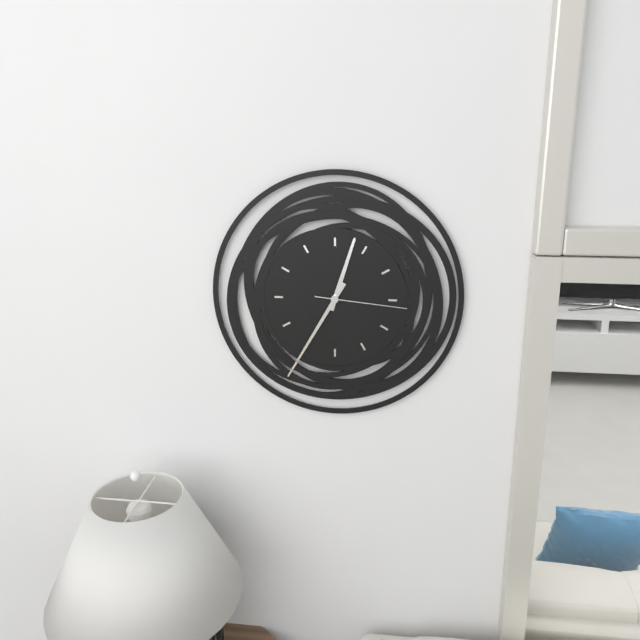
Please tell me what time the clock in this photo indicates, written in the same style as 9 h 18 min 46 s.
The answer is 12 h 35 min 16 s
